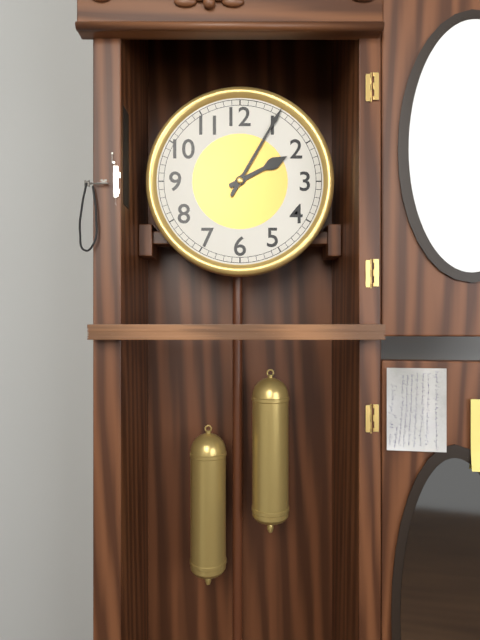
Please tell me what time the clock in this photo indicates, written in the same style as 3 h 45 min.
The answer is 2 h 05 min
